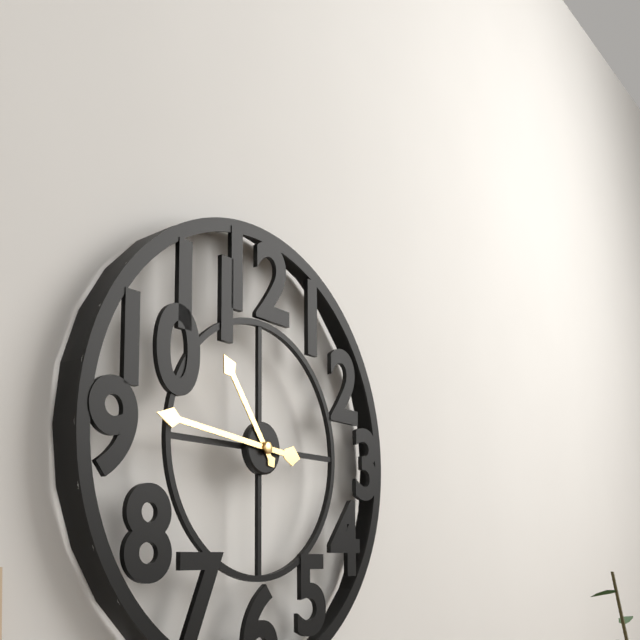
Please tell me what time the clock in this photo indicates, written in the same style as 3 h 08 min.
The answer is 10 h 46 min
